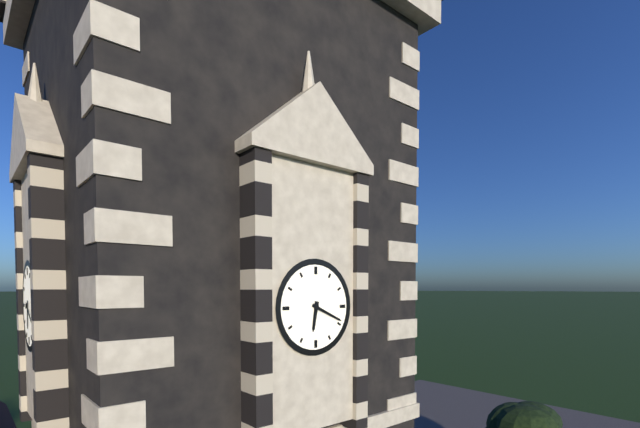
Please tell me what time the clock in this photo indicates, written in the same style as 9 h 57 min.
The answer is 6 h 19 min
